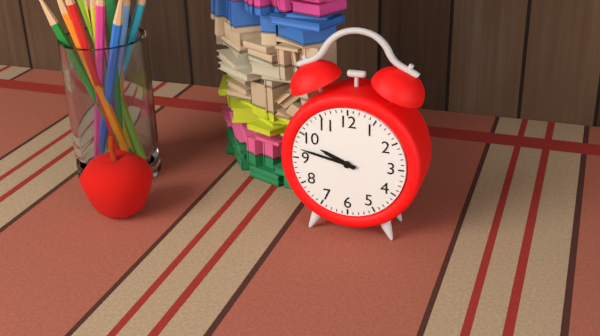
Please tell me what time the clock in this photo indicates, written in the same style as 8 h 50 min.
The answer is 9 h 47 min
